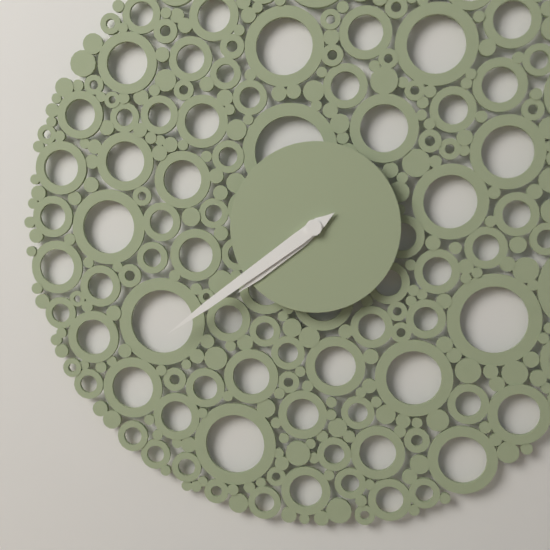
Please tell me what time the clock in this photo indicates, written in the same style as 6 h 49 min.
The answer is 7 h 39 min
